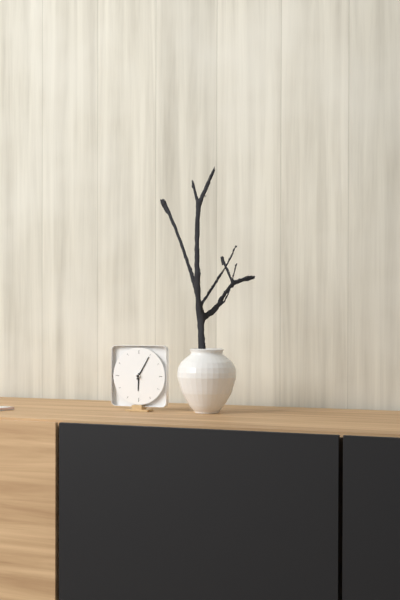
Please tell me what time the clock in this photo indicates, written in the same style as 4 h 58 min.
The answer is 6 h 05 min
